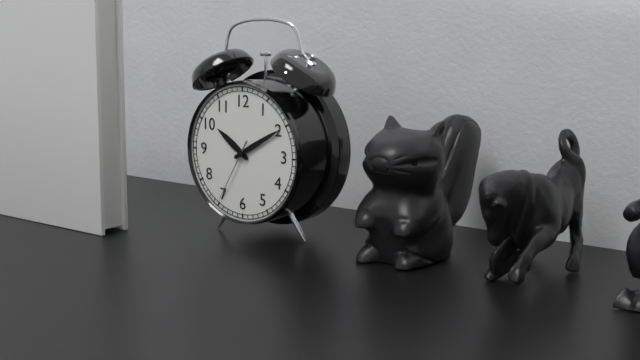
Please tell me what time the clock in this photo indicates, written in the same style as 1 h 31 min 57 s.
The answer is 10 h 10 min 35 s
